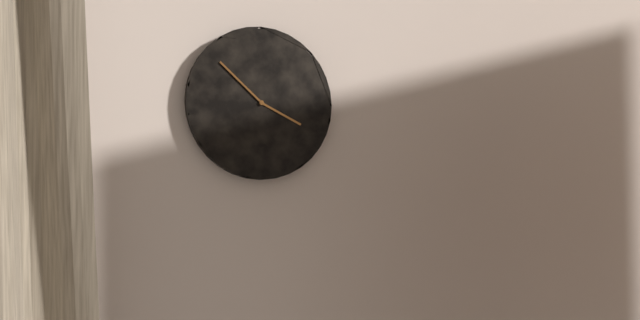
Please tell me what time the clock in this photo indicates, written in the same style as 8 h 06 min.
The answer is 3 h 52 min
